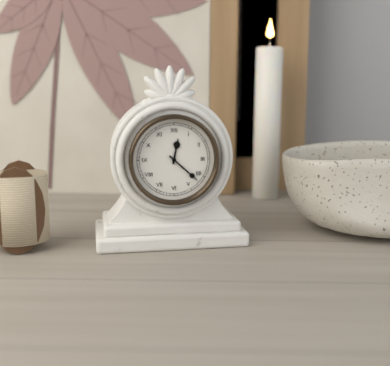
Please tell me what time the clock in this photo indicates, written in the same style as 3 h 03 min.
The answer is 12 h 22 min
